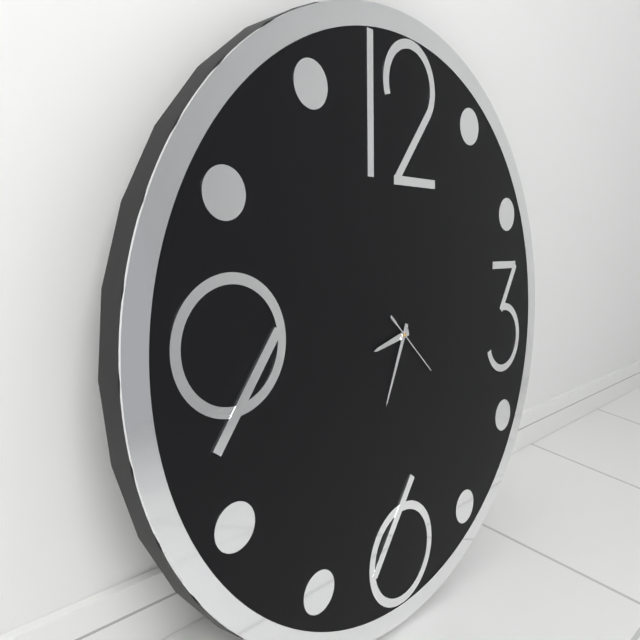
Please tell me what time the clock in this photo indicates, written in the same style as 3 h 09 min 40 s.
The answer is 8 h 34 min 22 s
